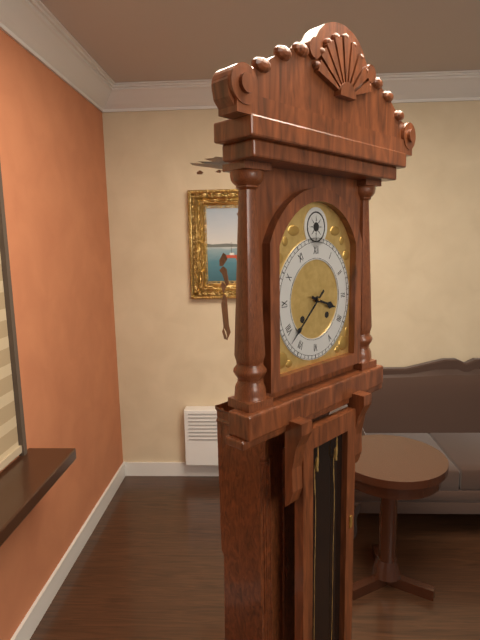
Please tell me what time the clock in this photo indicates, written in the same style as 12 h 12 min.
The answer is 3 h 38 min
